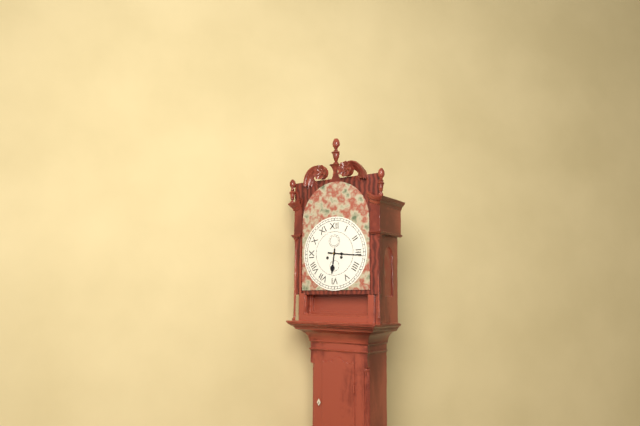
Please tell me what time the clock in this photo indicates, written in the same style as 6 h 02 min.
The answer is 6 h 16 min
